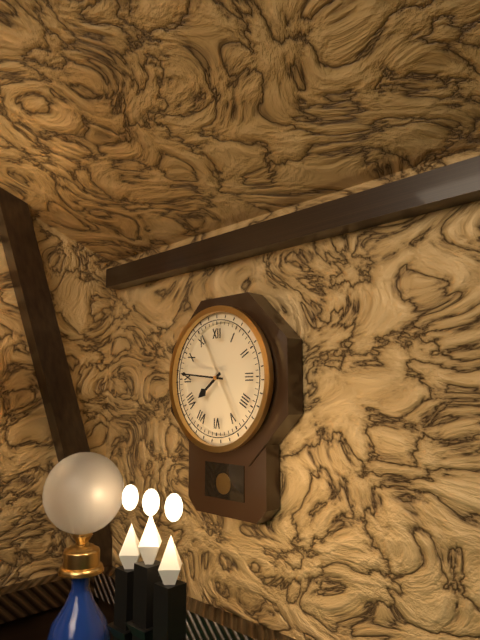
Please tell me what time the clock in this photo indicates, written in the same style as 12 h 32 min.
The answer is 7 h 46 min
